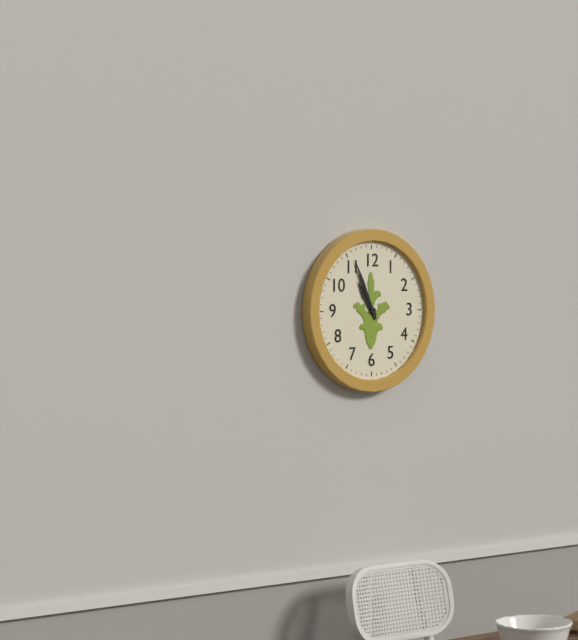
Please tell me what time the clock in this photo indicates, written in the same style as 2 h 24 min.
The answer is 10 h 56 min
